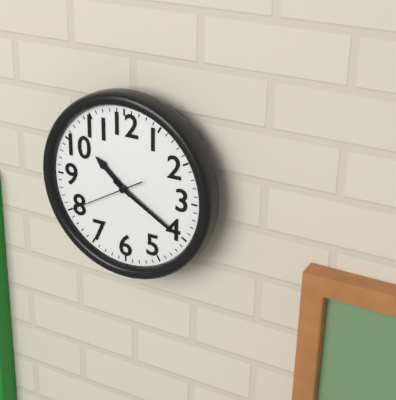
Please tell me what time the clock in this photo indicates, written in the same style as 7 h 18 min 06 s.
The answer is 10 h 20 min 40 s
